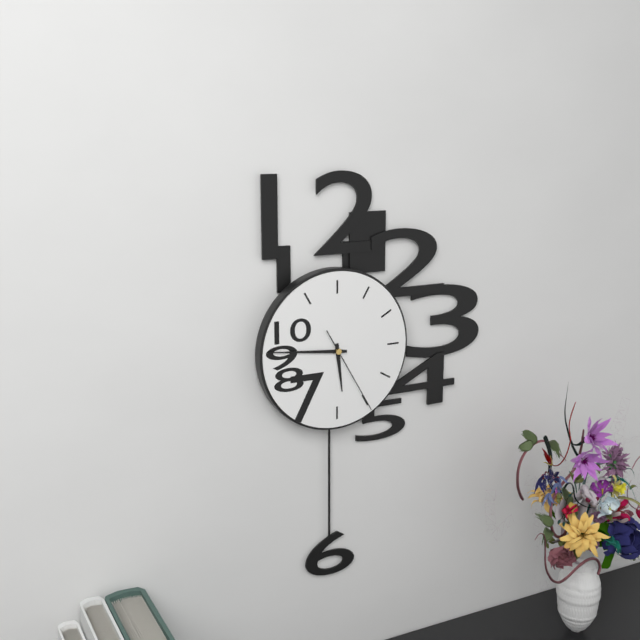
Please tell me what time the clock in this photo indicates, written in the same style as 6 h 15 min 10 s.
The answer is 5 h 46 min 25 s
